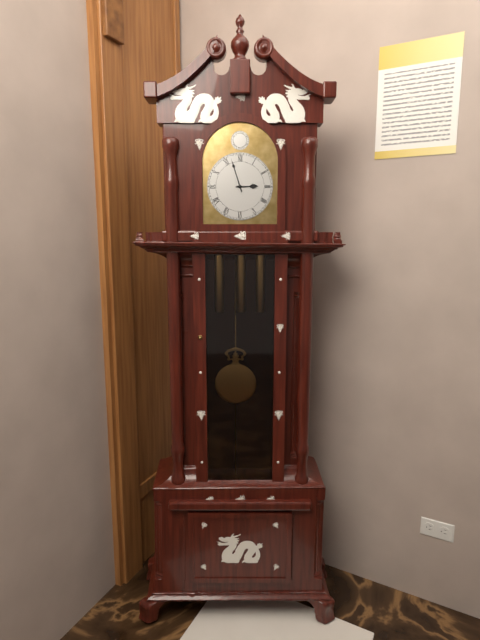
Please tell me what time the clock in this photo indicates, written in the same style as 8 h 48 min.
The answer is 2 h 57 min
